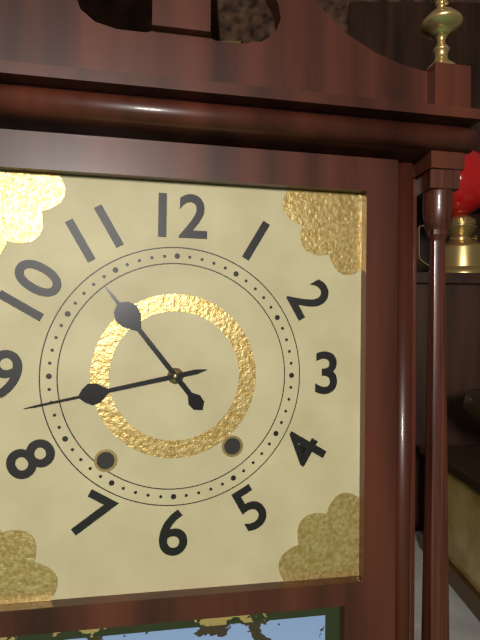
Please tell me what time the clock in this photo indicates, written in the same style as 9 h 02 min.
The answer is 10 h 43 min
